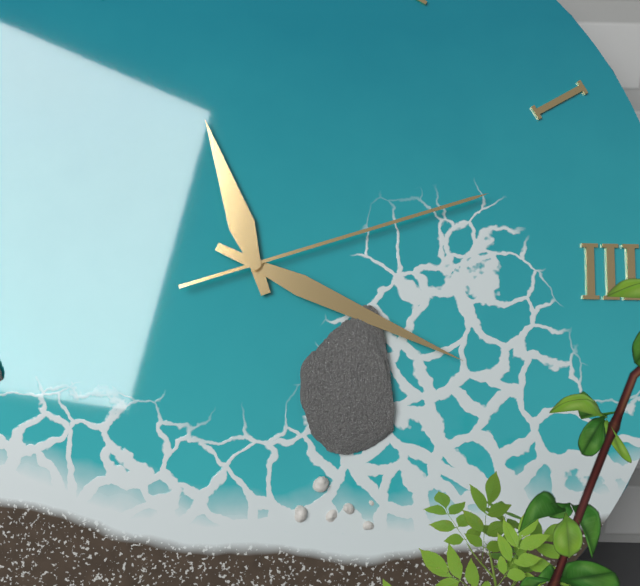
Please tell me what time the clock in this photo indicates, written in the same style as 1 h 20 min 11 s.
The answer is 11 h 19 min 12 s
